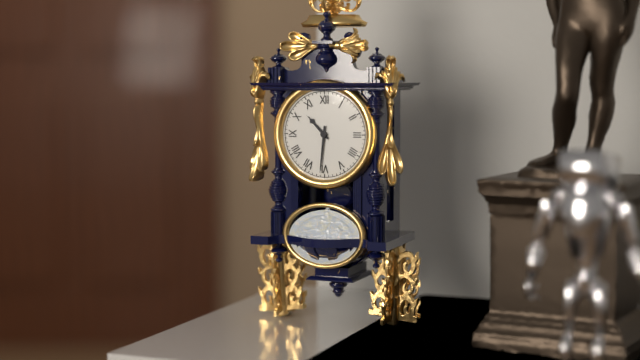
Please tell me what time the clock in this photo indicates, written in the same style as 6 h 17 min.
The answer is 10 h 31 min
